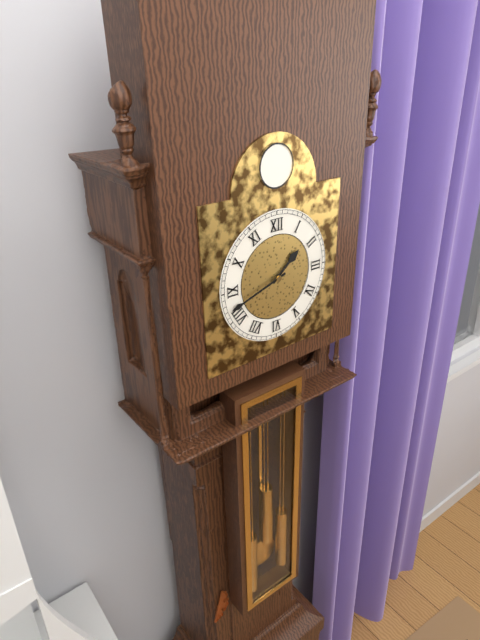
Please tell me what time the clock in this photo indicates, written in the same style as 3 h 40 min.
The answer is 1 h 42 min
